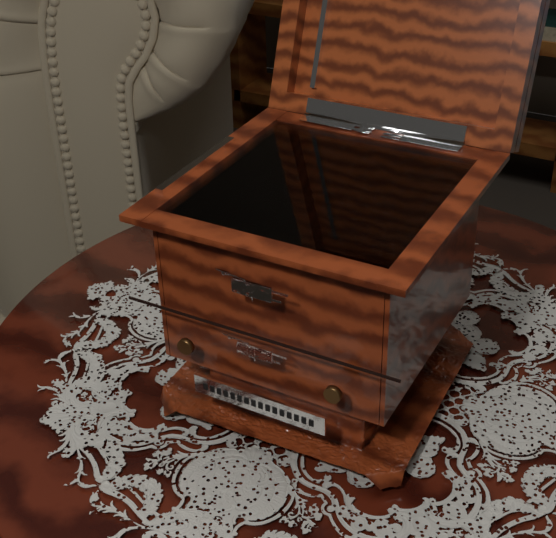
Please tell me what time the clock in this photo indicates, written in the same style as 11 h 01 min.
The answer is 8 h 02 min
